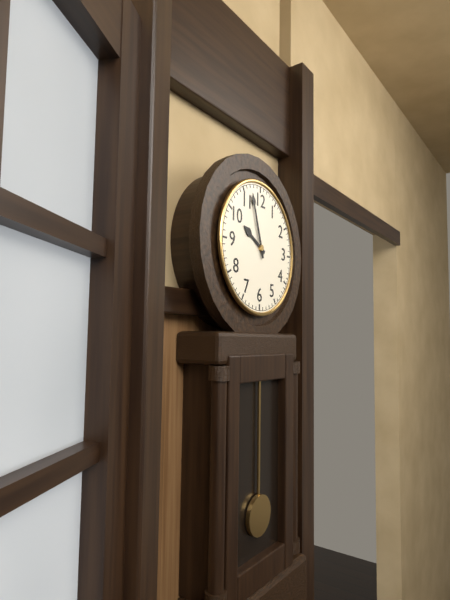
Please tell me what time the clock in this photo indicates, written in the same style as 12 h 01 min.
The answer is 9 h 57 min
